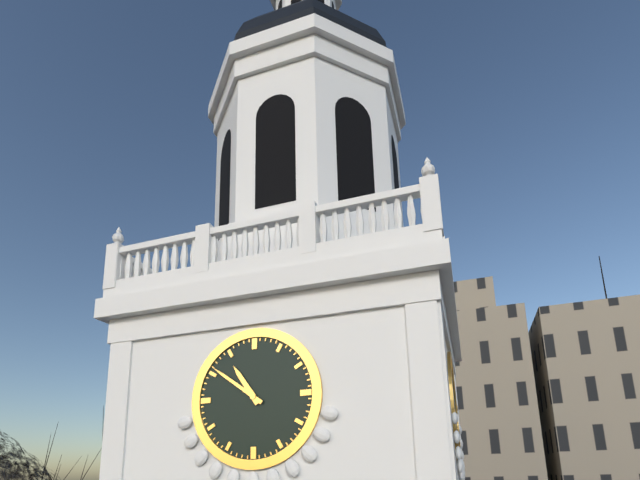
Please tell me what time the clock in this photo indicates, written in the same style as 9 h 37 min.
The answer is 10 h 51 min
